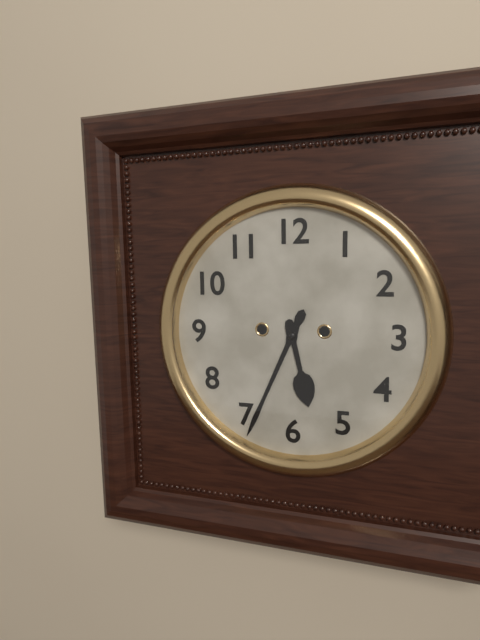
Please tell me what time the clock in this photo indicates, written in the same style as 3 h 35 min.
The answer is 5 h 34 min
